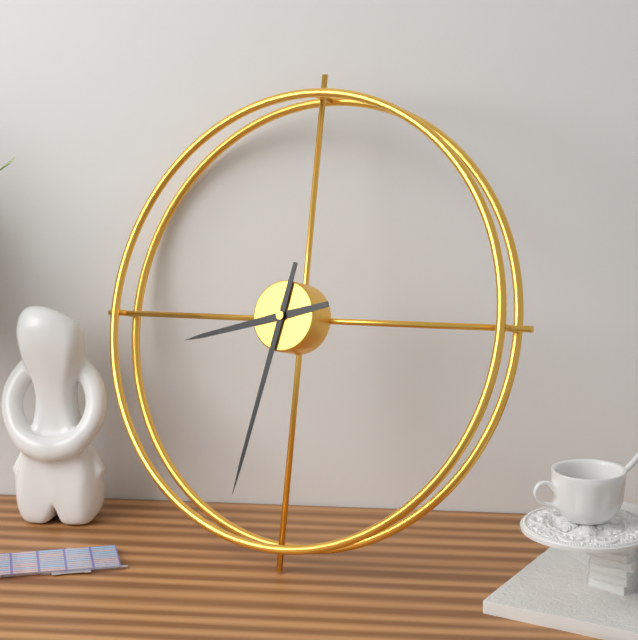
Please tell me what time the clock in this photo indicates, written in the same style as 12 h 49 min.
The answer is 8 h 32 min
